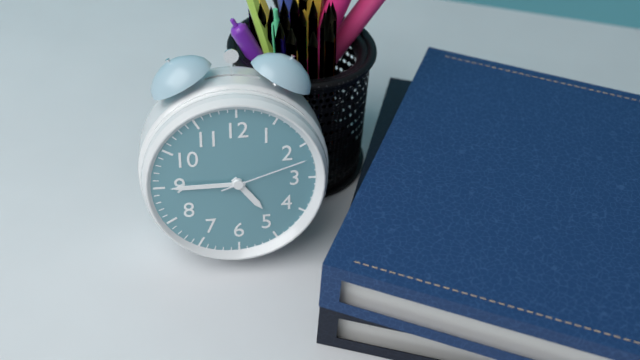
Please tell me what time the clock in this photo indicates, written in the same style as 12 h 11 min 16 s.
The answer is 4 h 45 min 12 s
